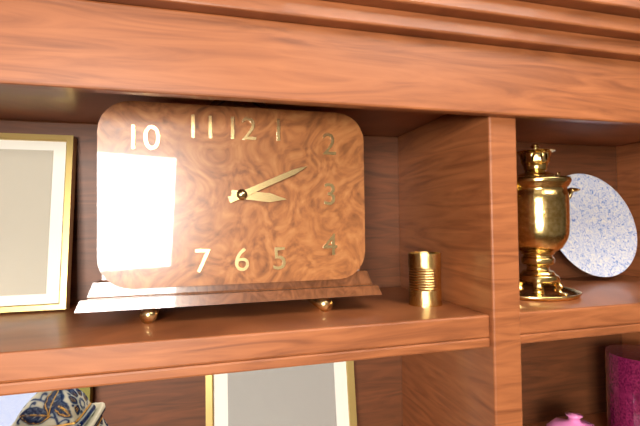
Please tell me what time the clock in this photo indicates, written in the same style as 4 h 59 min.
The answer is 3 h 11 min
